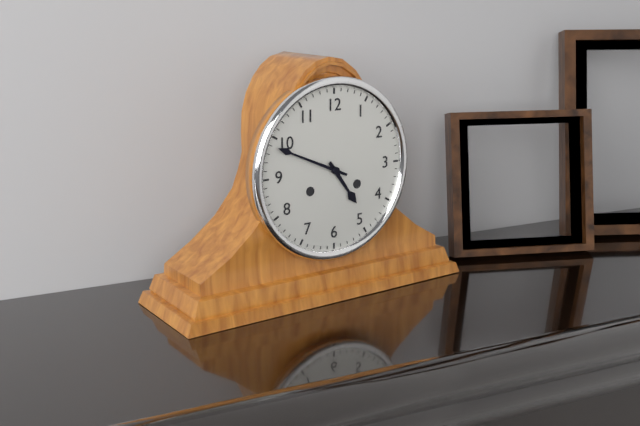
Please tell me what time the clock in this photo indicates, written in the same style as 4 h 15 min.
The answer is 4 h 49 min
